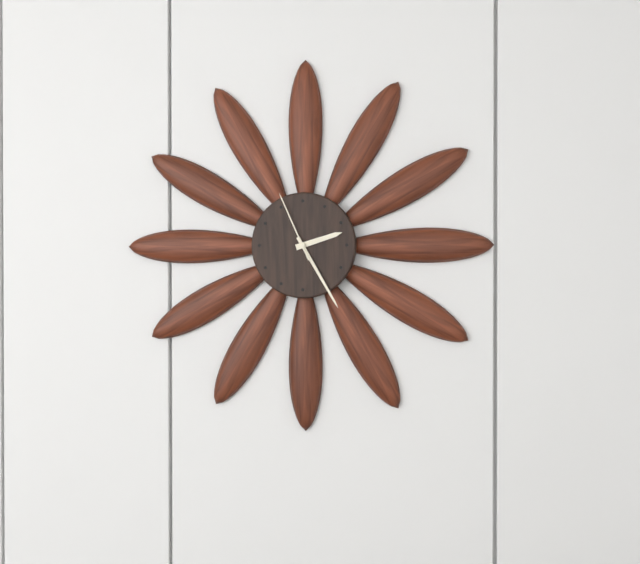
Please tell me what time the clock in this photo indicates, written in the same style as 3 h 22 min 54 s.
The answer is 2 h 25 min 56 s
